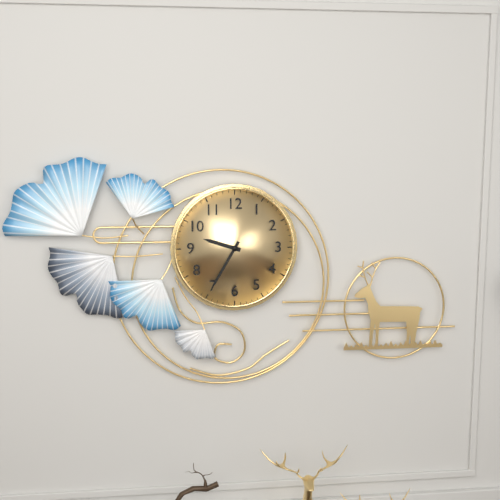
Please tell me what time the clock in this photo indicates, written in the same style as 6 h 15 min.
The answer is 9 h 35 min
